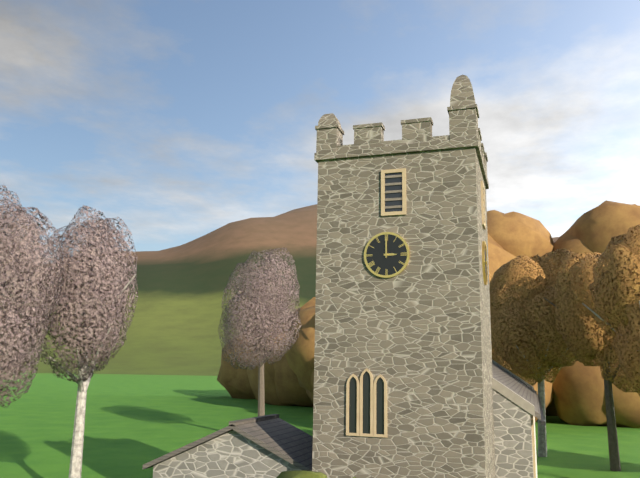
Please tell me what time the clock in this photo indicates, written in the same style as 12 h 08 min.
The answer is 3 h 00 min
